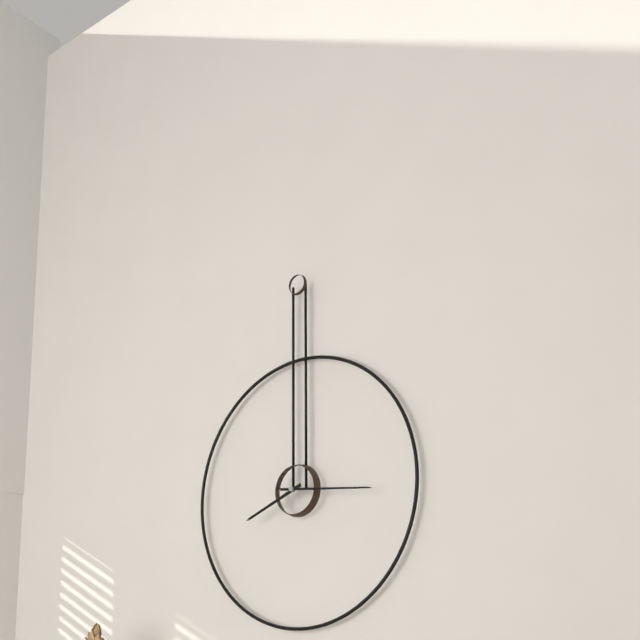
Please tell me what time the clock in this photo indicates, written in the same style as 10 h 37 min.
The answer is 8 h 16 min
